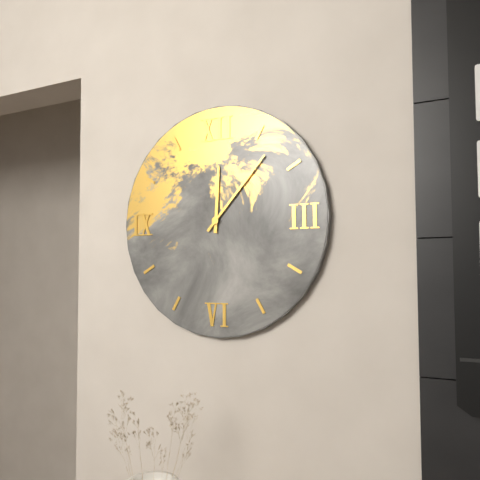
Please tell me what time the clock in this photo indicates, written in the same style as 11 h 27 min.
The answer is 12 h 07 min
